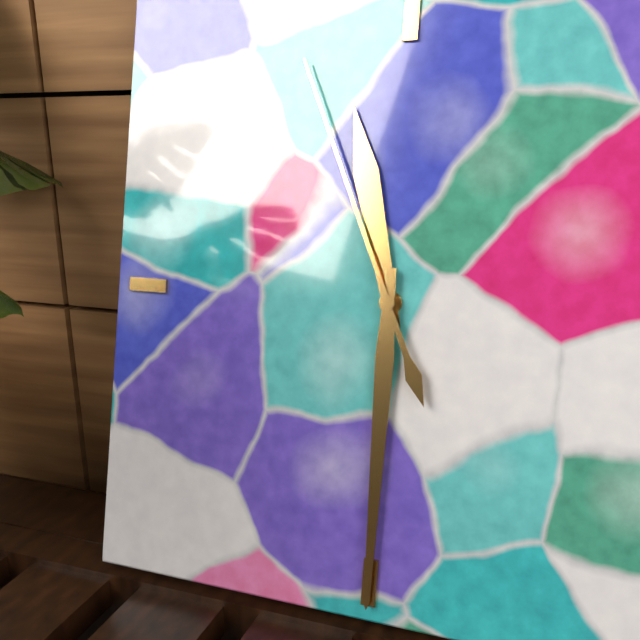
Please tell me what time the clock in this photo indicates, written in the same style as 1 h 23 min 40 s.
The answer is 11 h 30 min 56 s
